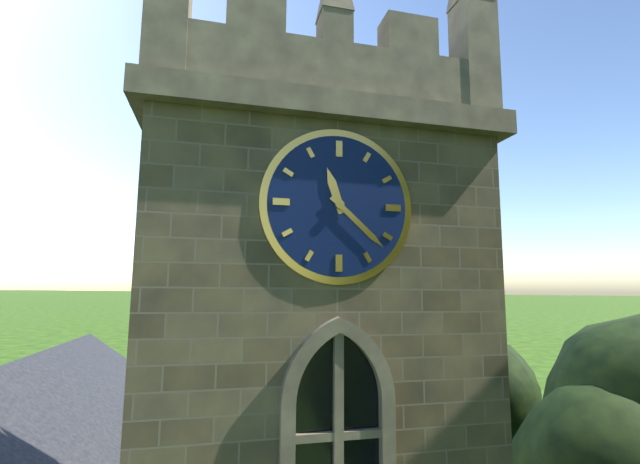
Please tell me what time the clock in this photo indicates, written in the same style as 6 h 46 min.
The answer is 11 h 22 min
